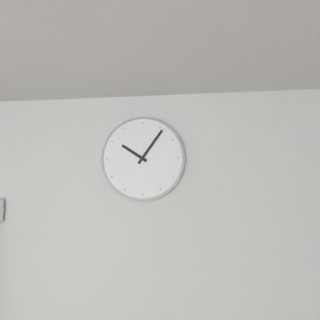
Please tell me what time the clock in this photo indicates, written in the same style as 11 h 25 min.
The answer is 10 h 06 min
